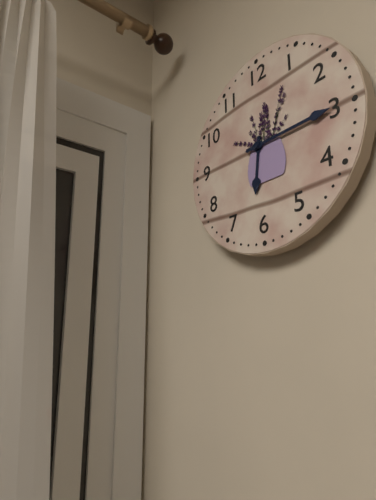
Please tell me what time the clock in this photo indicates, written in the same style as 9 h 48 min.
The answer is 6 h 15 min
